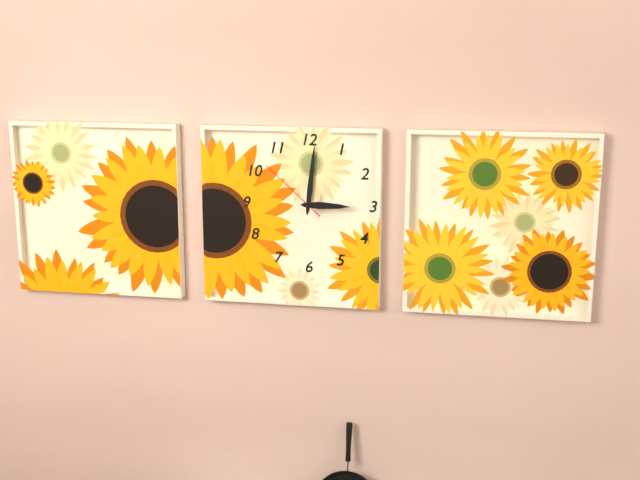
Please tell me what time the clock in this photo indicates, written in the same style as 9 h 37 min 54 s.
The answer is 3 h 01 min 52 s
